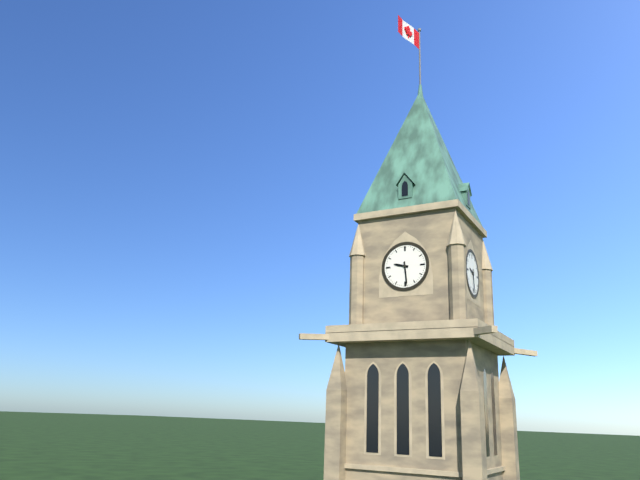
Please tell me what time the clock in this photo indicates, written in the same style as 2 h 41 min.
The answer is 9 h 29 min
